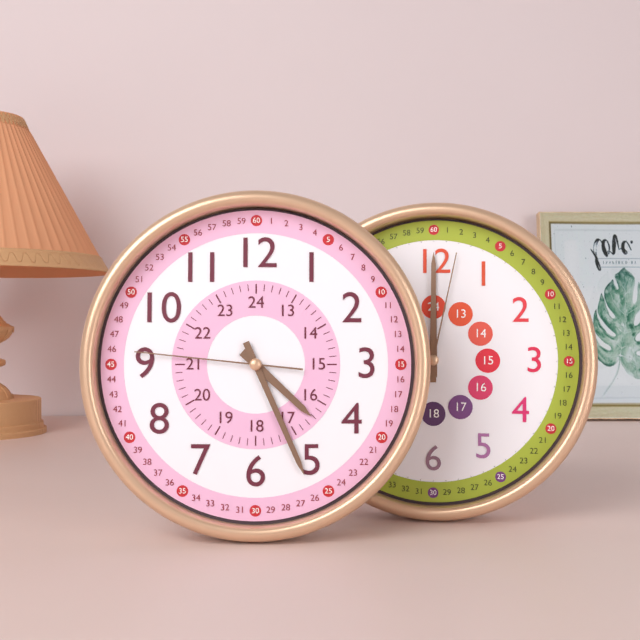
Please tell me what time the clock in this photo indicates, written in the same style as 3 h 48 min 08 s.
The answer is 4 h 26 min 46 s
